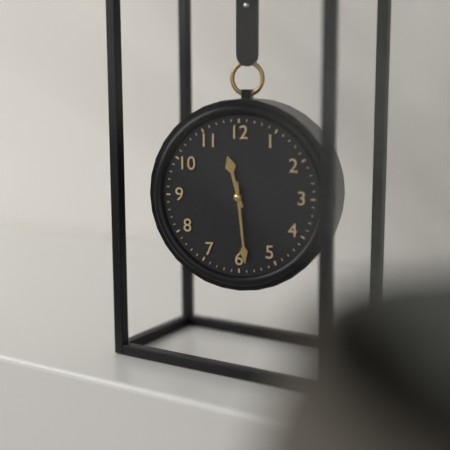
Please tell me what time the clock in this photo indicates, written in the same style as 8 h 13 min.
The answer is 11 h 29 min
